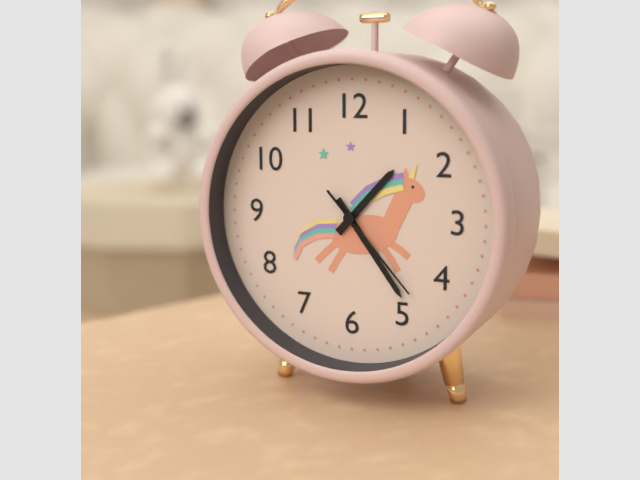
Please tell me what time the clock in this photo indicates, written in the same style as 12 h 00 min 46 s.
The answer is 1 h 24 min 23 s
